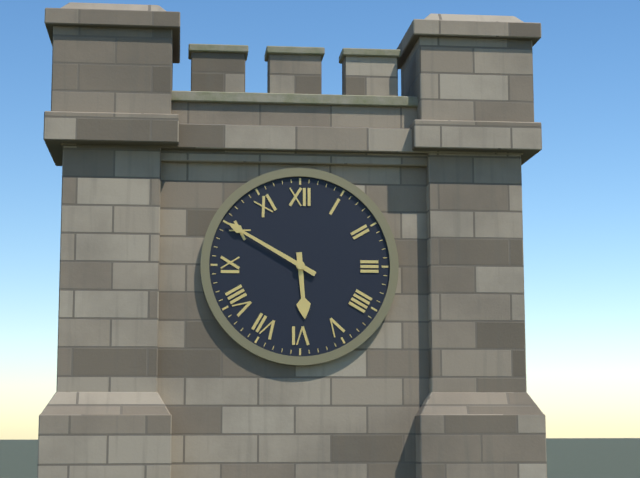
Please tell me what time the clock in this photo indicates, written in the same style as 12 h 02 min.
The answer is 5 h 50 min
